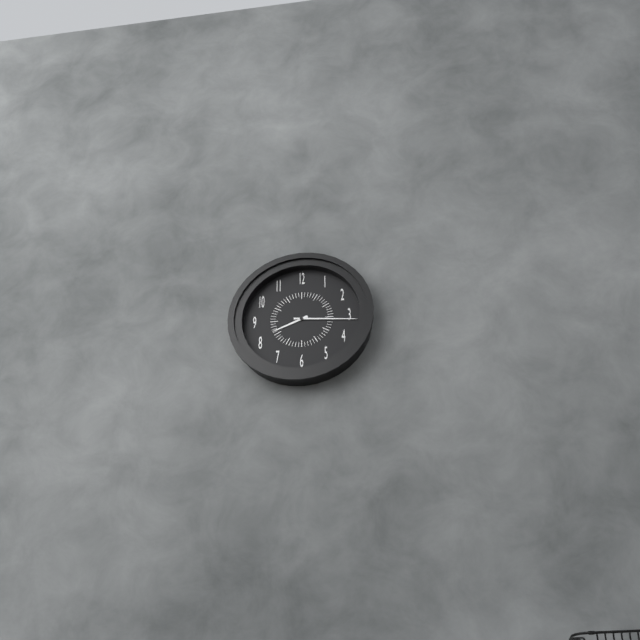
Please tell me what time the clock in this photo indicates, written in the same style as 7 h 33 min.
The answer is 8 h 16 min
